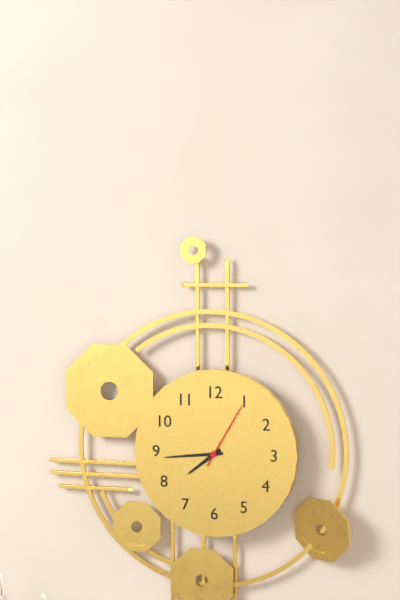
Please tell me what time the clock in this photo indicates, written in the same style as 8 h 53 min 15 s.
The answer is 7 h 44 min 05 s
